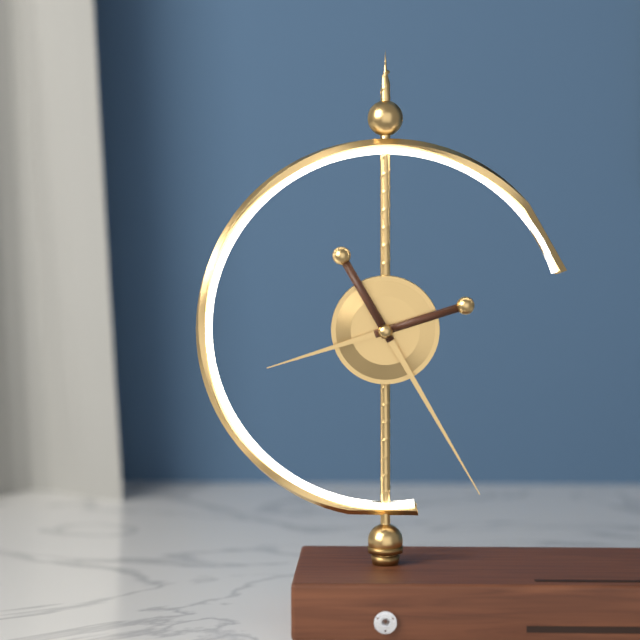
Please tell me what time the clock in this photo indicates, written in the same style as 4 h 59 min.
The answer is 8 h 25 min
